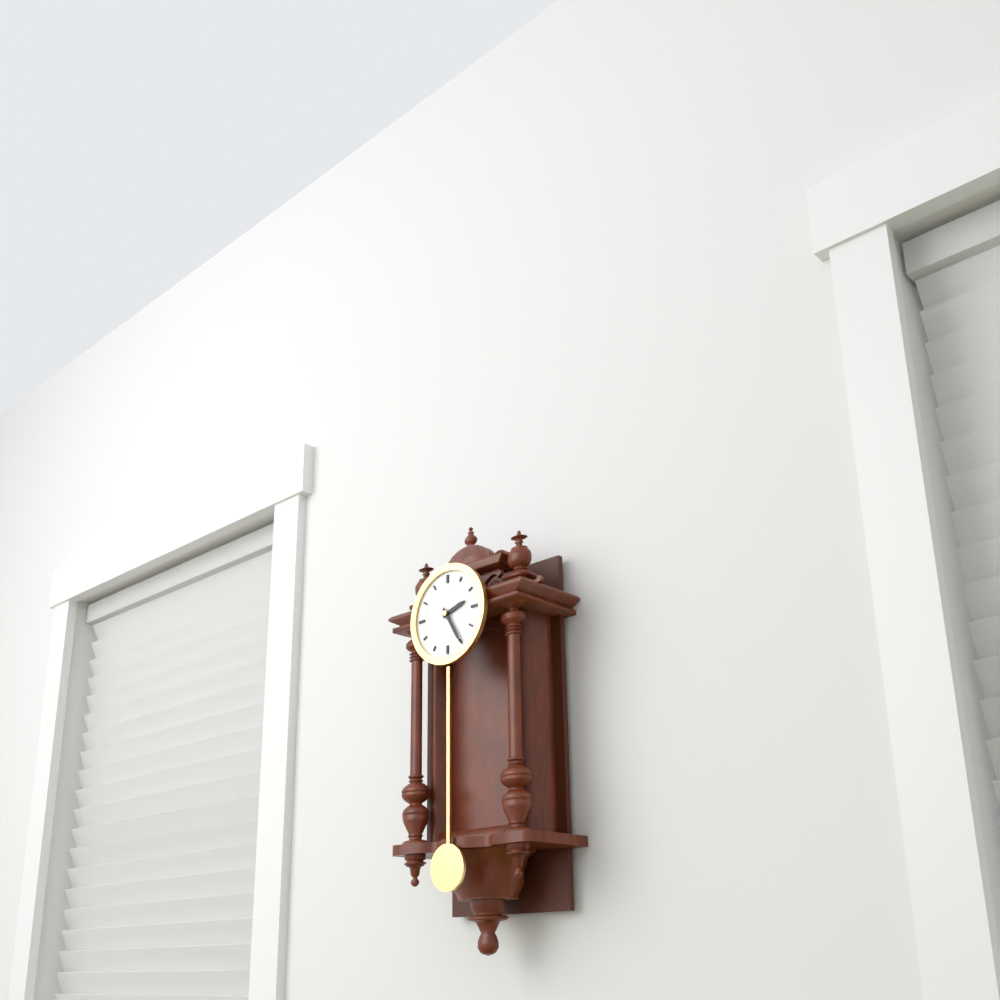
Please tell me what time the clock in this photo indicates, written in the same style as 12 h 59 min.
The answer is 2 h 25 min
